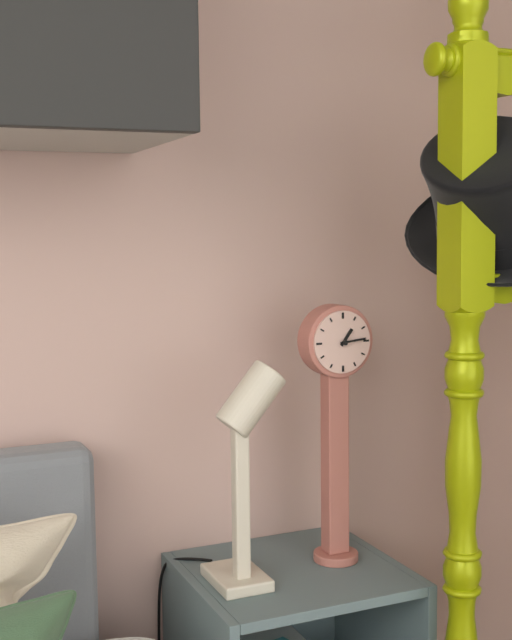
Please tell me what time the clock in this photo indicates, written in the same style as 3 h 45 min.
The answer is 1 h 14 min
